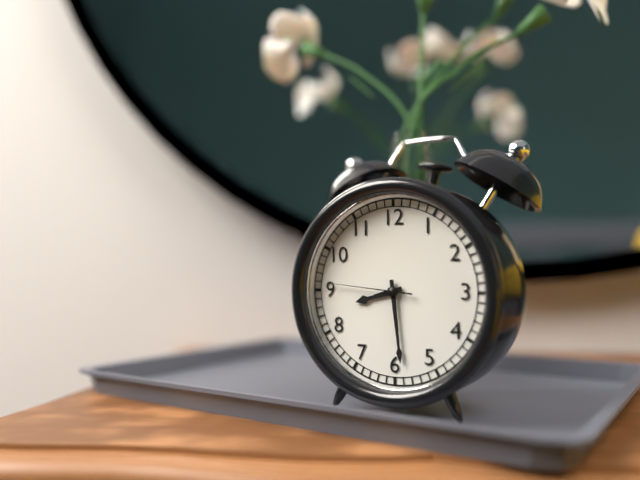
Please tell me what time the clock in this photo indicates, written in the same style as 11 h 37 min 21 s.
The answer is 8 h 29 min 46 s
